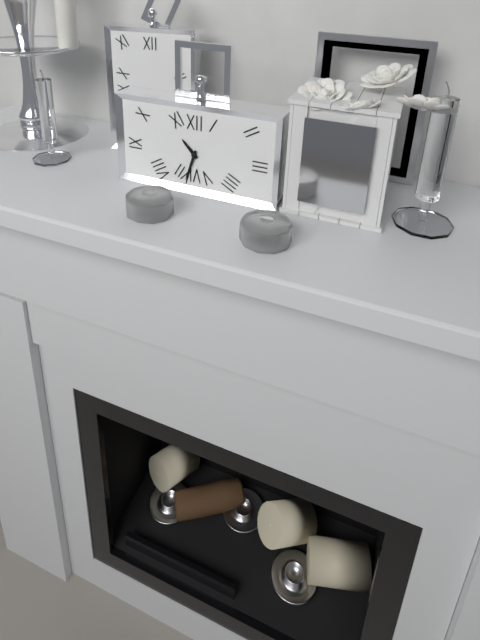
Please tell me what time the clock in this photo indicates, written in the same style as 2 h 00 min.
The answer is 10 h 33 min
